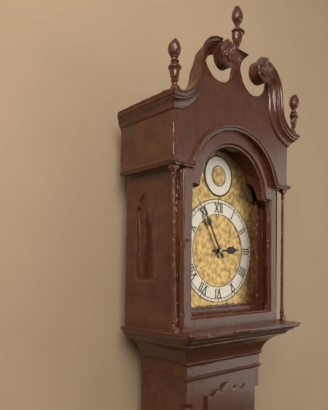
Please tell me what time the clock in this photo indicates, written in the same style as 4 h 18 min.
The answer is 2 h 55 min
